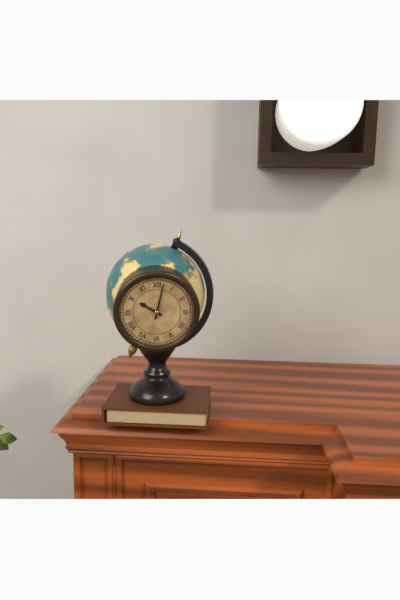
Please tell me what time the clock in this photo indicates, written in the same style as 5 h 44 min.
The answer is 10 h 02 min
